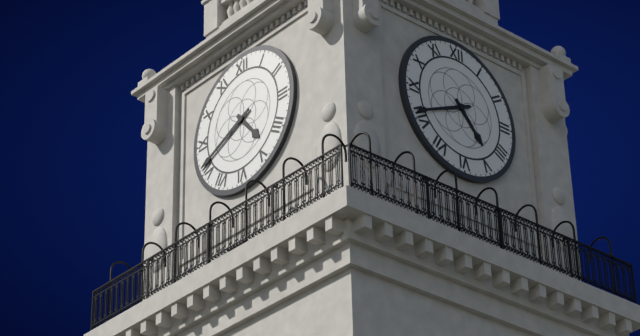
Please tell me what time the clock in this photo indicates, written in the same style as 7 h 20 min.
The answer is 4 h 41 min
